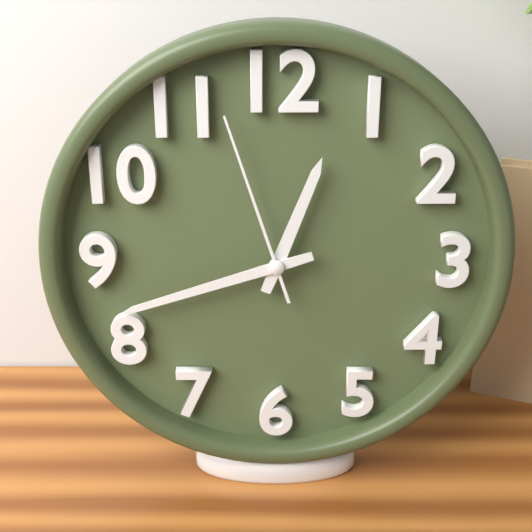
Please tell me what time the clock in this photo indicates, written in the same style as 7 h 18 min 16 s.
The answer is 12 h 42 min 57 s
